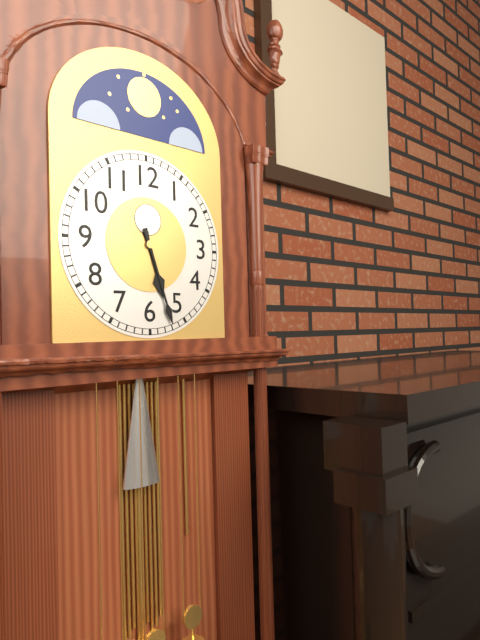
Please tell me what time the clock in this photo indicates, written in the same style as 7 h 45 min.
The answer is 5 h 27 min
